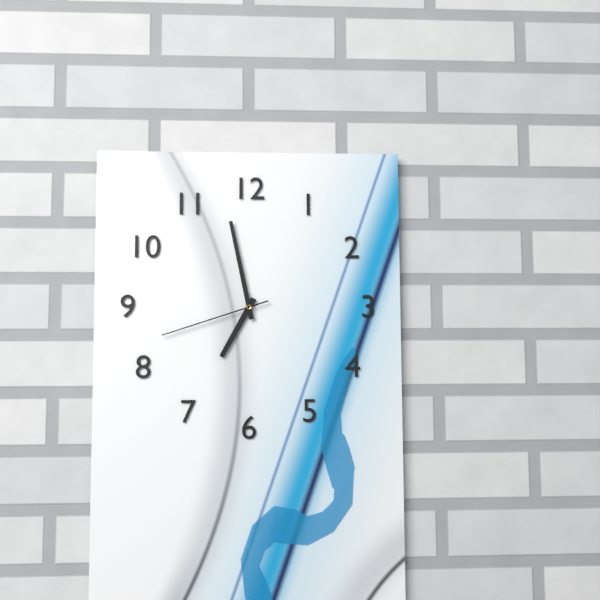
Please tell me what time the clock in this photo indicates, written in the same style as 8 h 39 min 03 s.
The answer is 6 h 58 min 42 s
